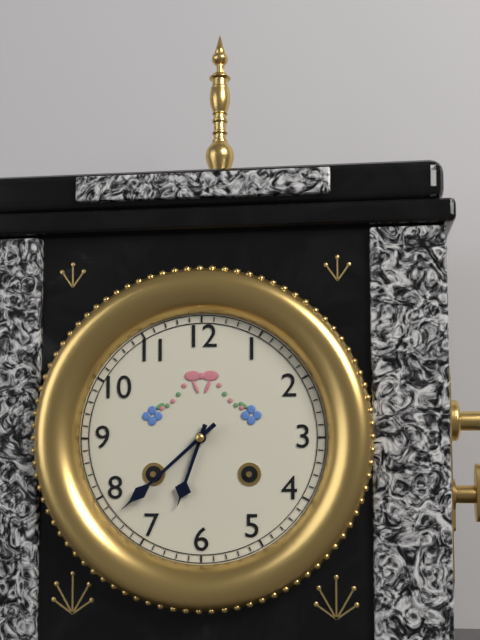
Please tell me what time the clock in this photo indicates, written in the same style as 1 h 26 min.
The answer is 6 h 38 min
